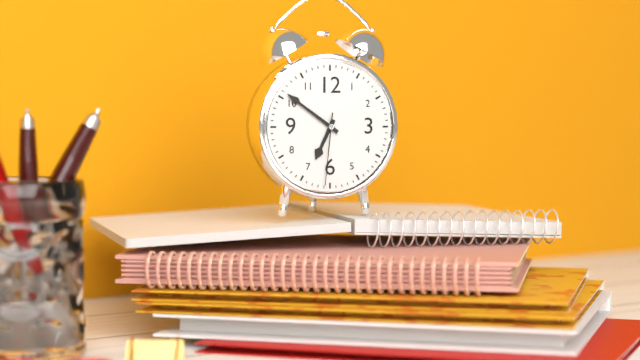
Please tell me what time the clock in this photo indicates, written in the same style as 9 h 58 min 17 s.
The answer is 6 h 51 min 31 s
